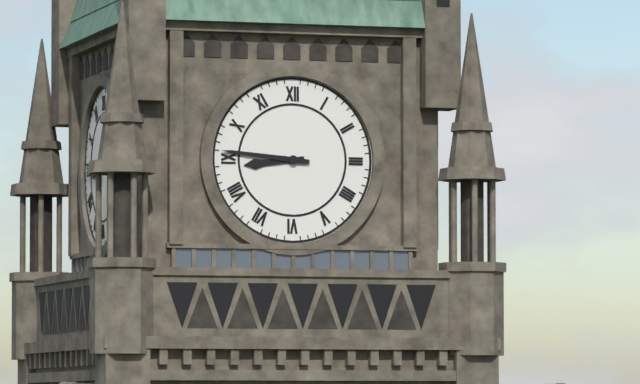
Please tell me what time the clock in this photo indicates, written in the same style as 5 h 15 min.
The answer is 8 h 46 min
